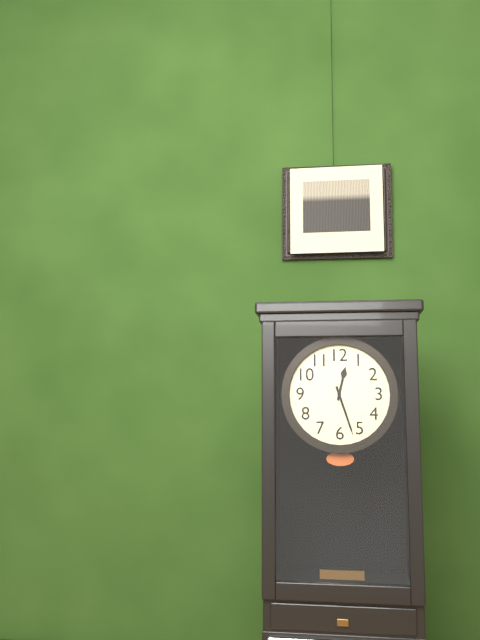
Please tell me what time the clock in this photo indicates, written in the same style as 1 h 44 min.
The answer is 12 h 27 min
